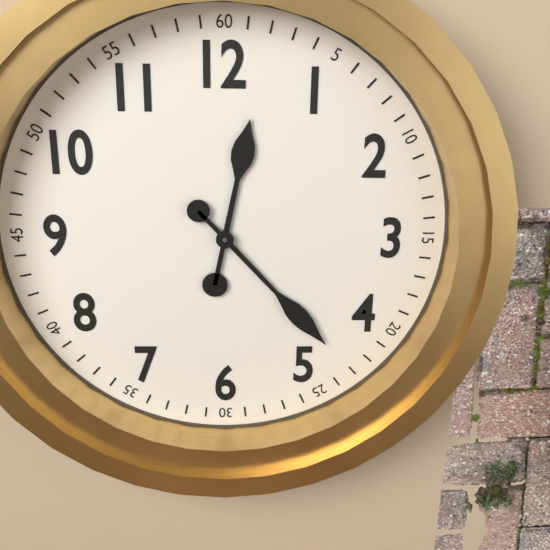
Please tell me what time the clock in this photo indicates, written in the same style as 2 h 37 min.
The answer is 12 h 23 min
